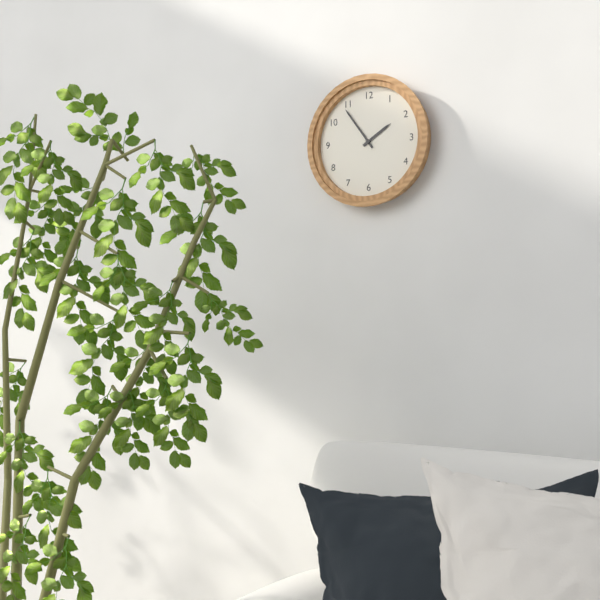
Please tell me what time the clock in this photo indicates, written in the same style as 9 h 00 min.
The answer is 1 h 54 min
